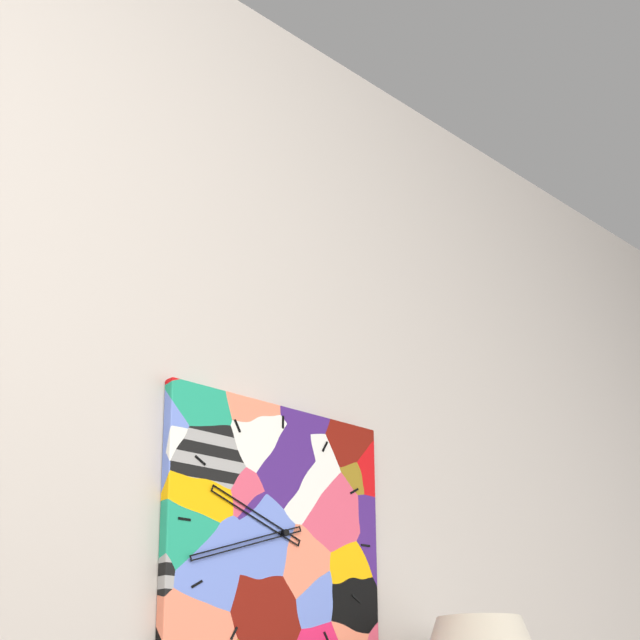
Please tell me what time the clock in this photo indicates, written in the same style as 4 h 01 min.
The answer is 9 h 42 min
